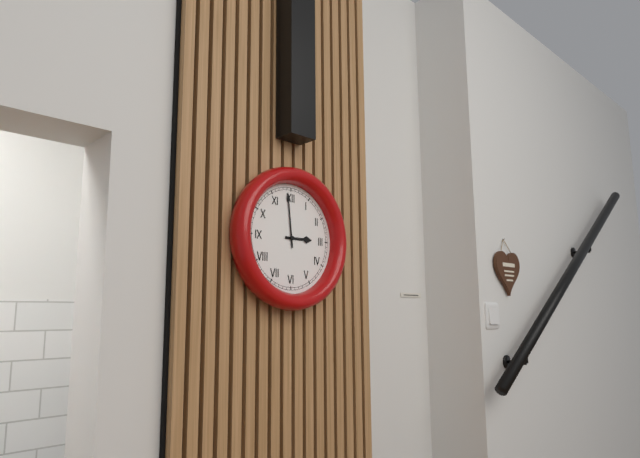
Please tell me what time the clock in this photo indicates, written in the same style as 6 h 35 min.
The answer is 2 h 59 min
